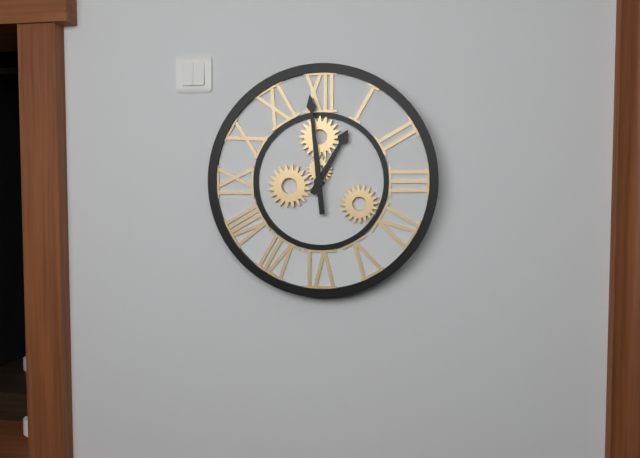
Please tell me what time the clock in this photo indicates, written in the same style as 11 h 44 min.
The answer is 12 h 59 min
